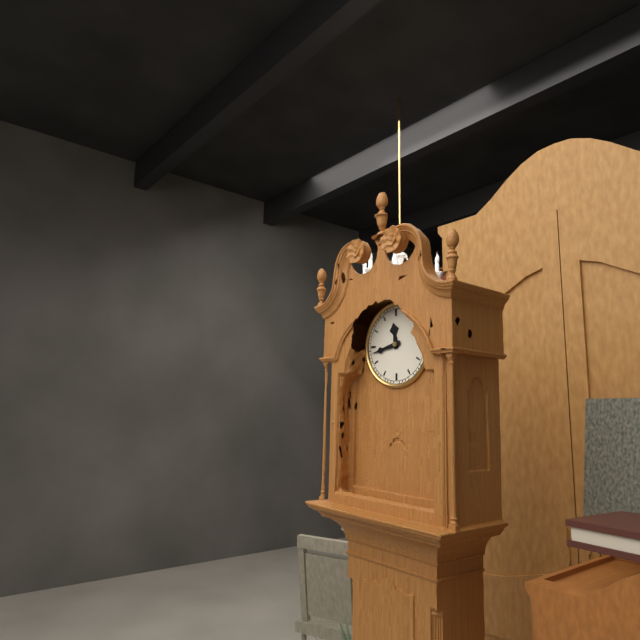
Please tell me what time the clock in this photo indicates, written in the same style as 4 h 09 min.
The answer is 11 h 43 min
